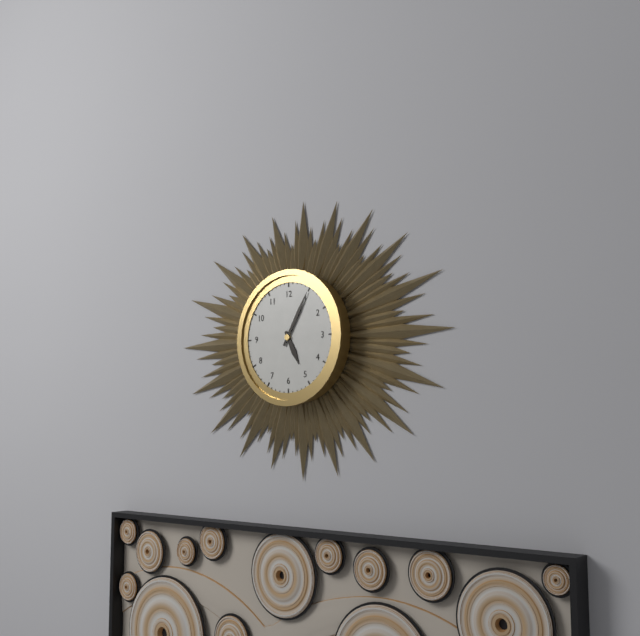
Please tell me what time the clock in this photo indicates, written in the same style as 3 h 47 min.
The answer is 5 h 05 min
